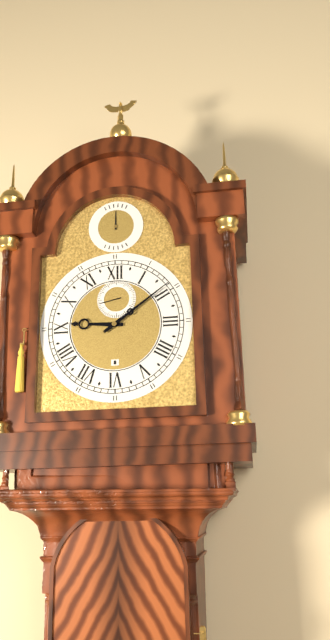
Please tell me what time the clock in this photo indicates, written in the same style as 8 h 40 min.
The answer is 9 h 09 min
